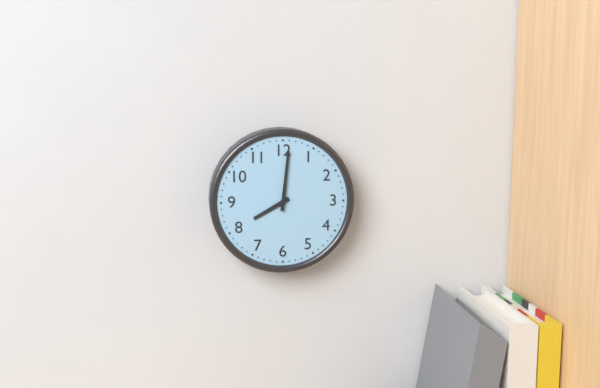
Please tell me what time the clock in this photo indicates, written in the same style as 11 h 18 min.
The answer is 8 h 01 min
